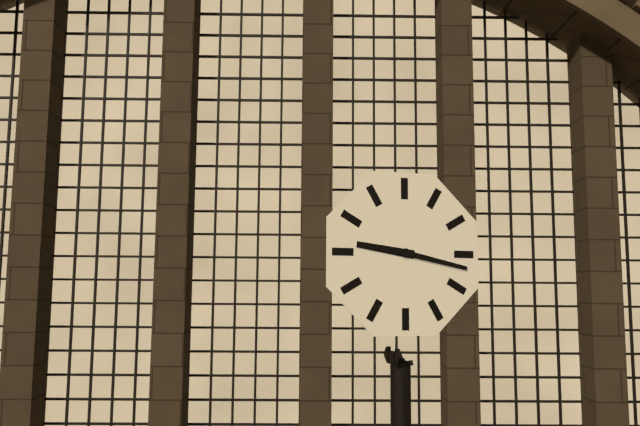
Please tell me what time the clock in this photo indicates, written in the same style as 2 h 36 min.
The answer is 9 h 17 min
